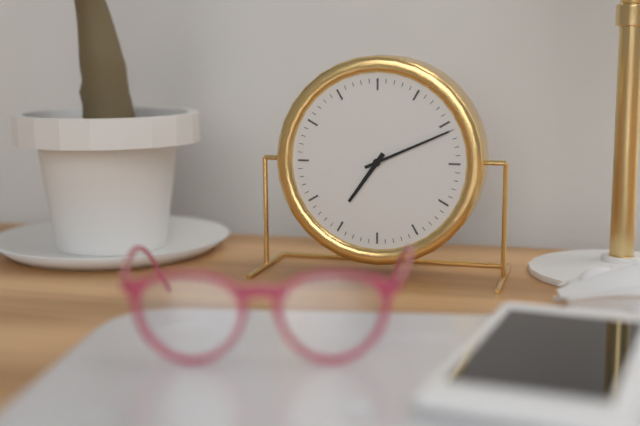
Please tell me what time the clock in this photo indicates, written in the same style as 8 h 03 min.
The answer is 7 h 11 min
